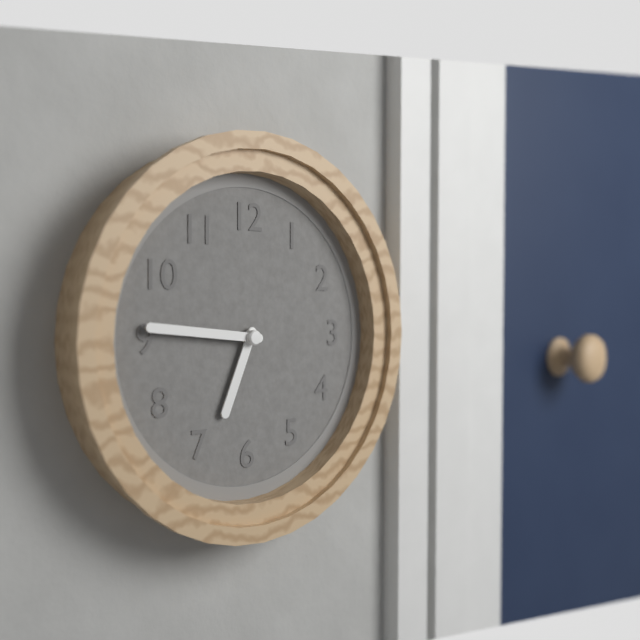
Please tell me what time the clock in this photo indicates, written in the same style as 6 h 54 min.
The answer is 6 h 46 min
